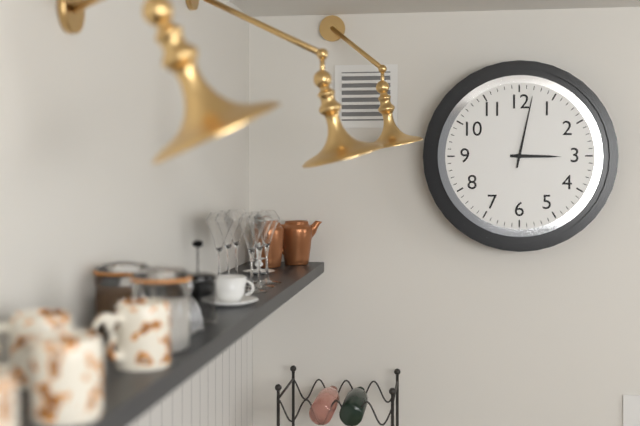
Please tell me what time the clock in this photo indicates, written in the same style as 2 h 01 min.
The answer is 3 h 02 min
